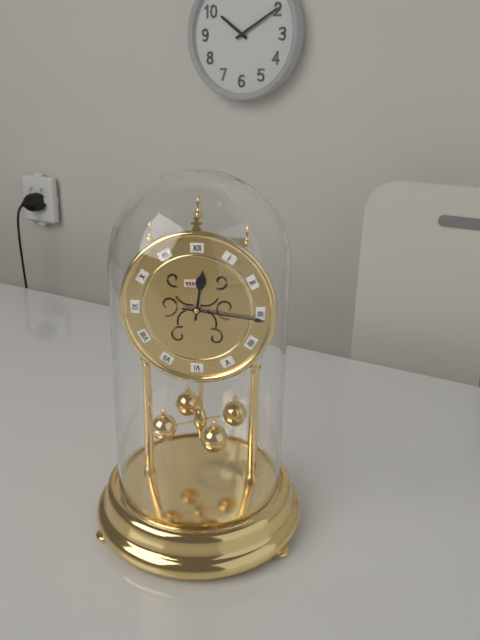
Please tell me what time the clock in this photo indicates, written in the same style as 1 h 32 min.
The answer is 12 h 16 min
